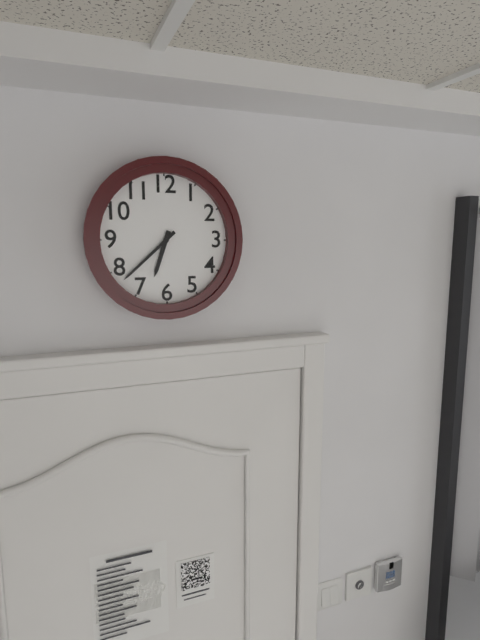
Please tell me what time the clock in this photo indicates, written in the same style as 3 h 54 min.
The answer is 6 h 38 min
